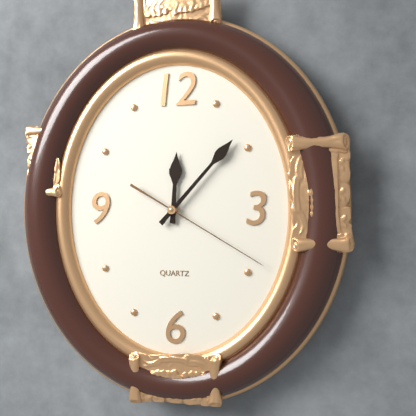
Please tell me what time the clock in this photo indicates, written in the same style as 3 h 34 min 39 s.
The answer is 12 h 07 min 20 s
